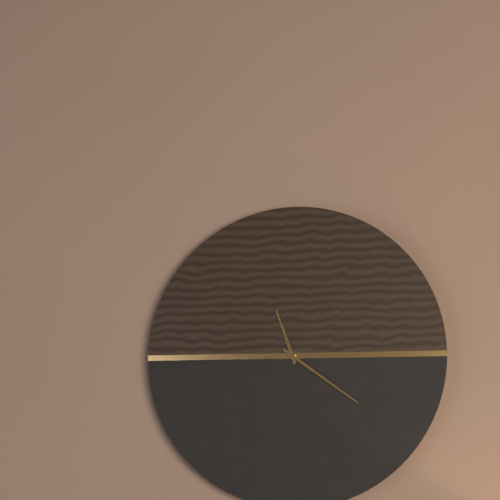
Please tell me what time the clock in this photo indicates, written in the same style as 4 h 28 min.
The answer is 11 h 21 min
